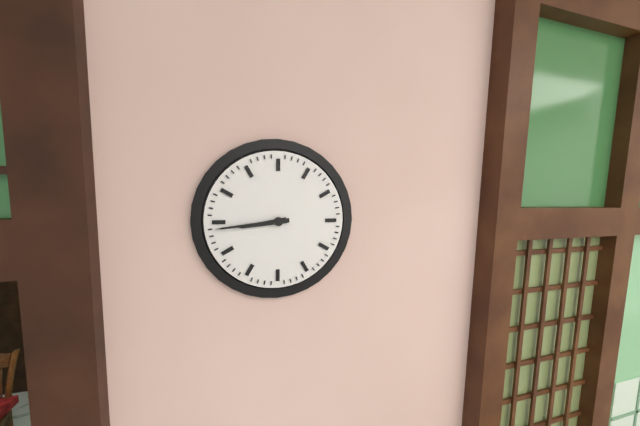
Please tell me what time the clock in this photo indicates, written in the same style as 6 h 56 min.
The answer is 8 h 44 min
